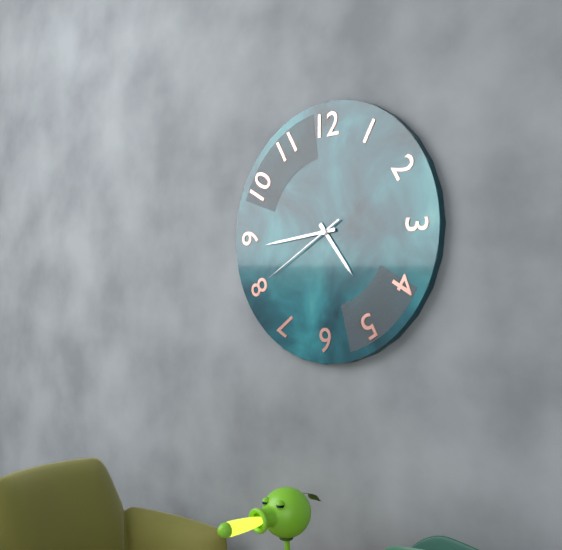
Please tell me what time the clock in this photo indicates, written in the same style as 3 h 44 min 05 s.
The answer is 4 h 44 min 40 s
